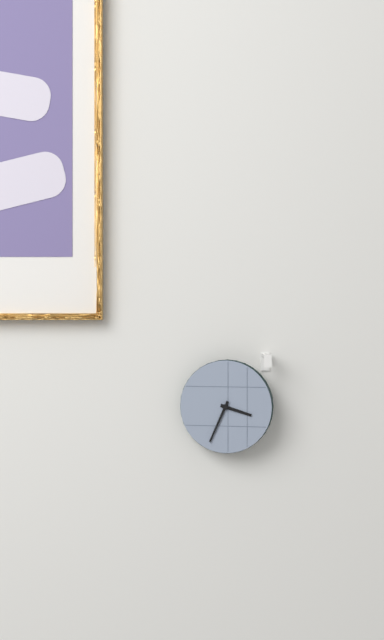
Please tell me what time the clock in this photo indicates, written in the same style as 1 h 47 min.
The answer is 3 h 34 min
